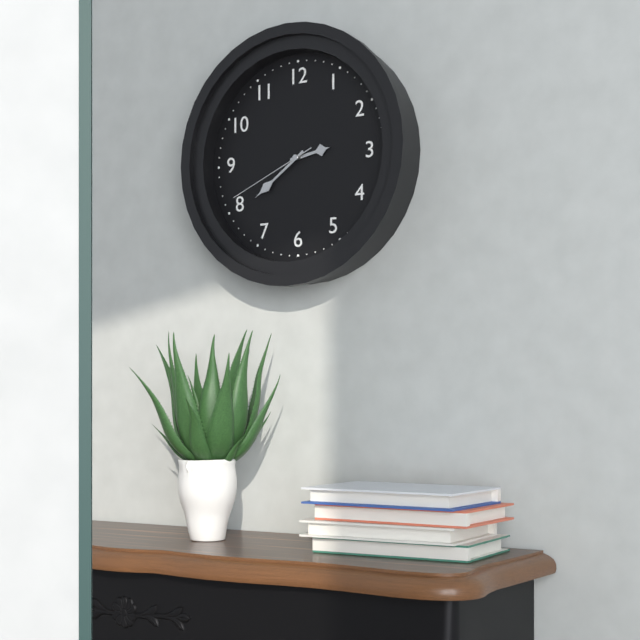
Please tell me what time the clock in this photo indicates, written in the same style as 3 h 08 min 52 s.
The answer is 2 h 39 min 41 s
